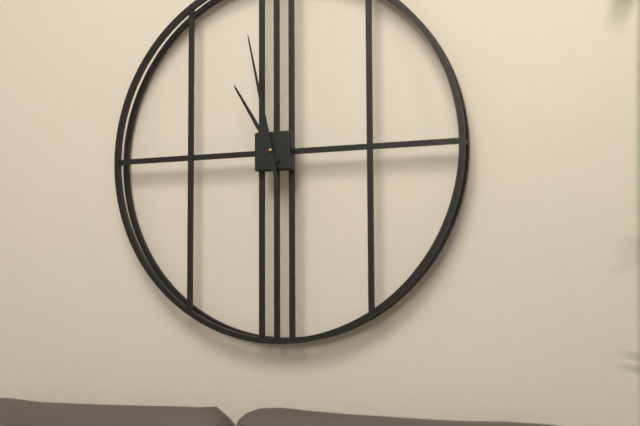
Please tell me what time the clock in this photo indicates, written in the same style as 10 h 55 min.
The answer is 10 h 58 min
